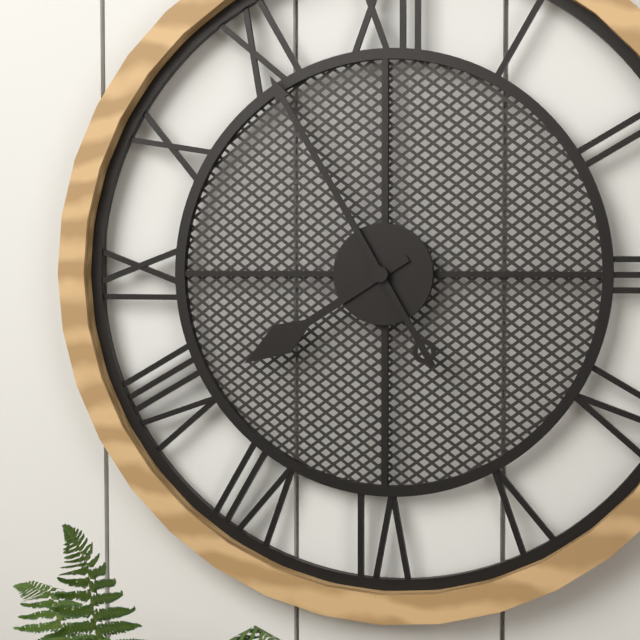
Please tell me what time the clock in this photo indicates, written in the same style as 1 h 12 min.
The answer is 7 h 55 min
